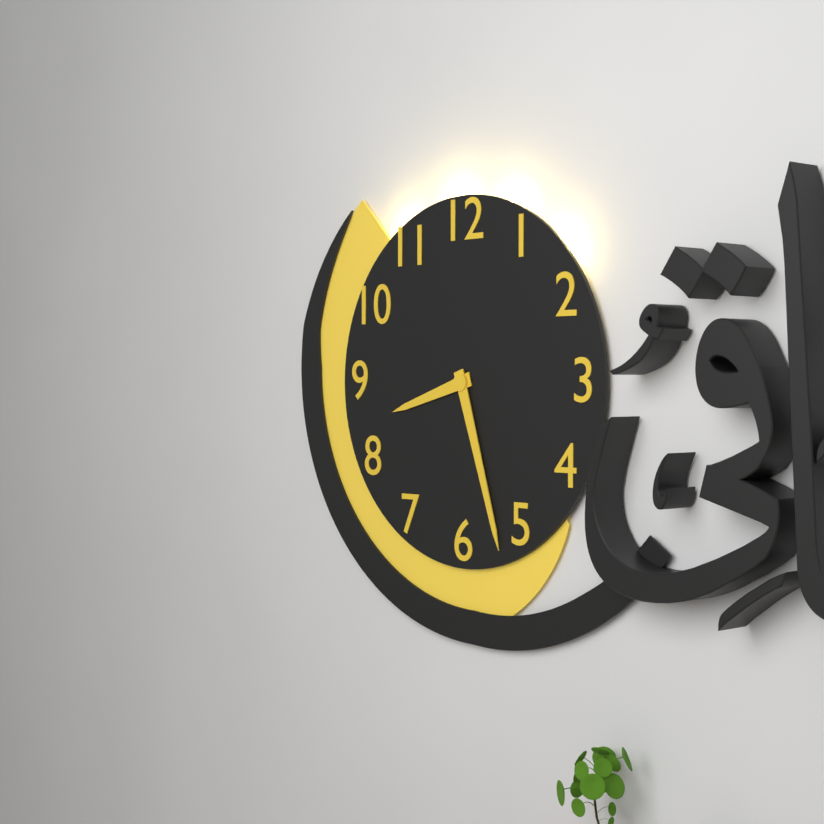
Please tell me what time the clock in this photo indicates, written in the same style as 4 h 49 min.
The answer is 8 h 27 min
